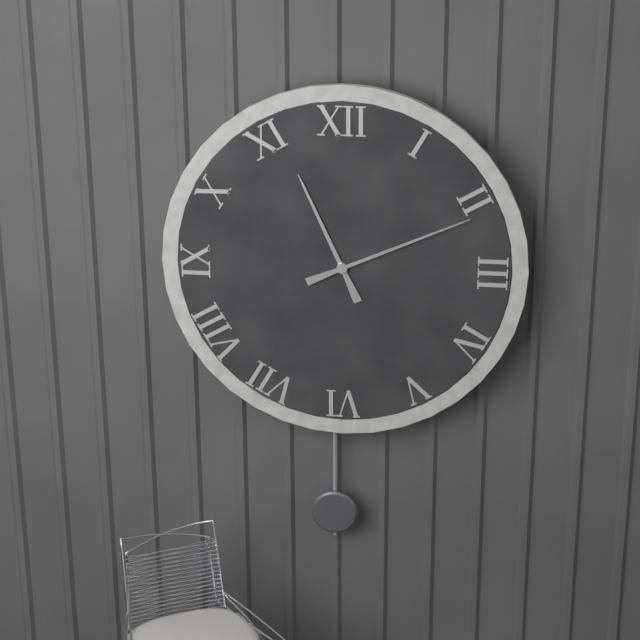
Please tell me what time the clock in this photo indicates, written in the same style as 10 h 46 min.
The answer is 11 h 11 min
